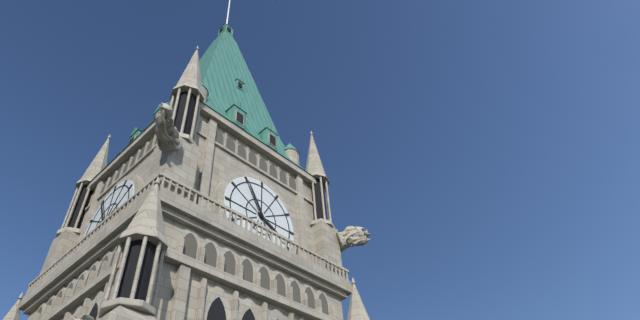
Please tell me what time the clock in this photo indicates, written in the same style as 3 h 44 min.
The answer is 3 h 55 min
